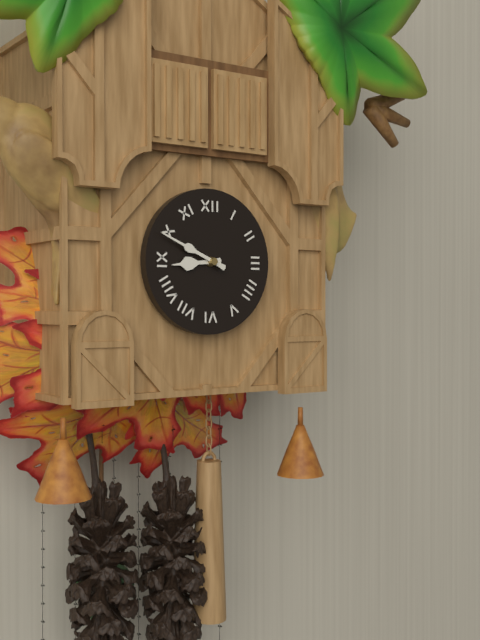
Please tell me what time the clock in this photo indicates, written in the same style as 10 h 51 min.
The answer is 8 h 49 min
